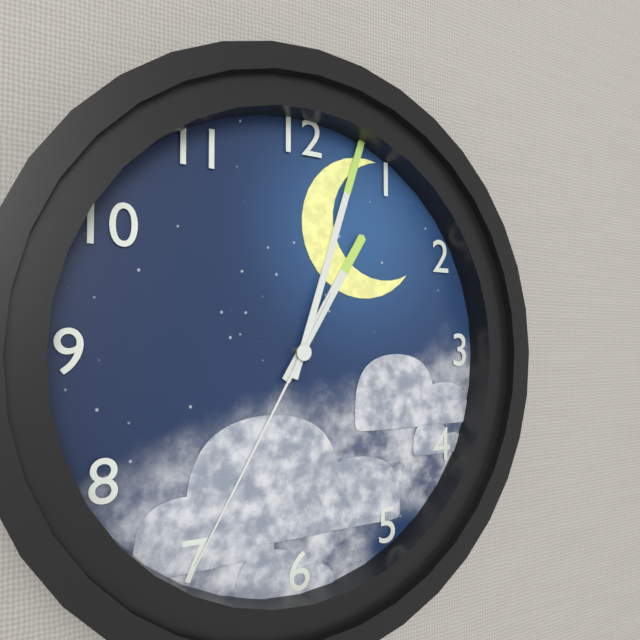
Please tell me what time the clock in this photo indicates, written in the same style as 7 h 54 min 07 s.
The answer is 1 h 03 min 35 s
